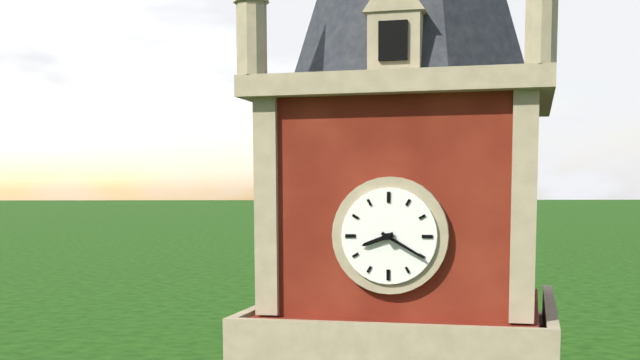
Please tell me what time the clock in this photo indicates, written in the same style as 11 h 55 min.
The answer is 8 h 20 min
